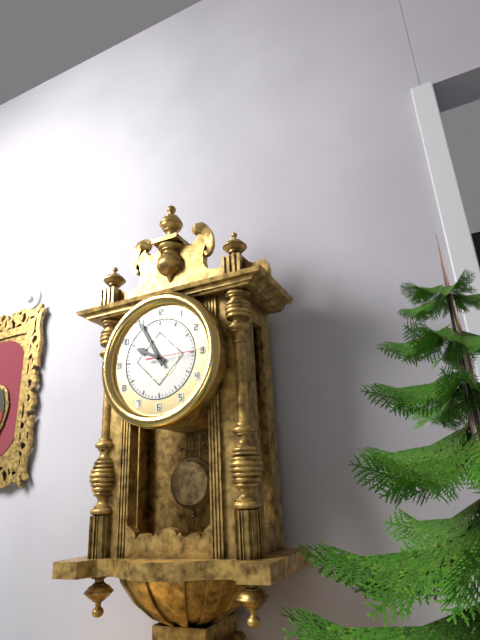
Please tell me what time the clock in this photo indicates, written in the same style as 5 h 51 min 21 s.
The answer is 9 h 55 min 15 s
